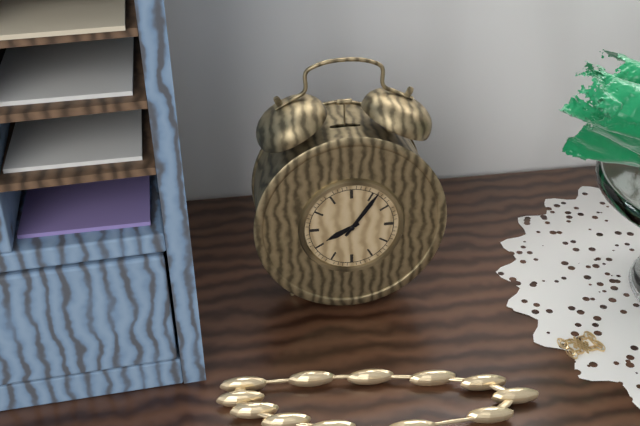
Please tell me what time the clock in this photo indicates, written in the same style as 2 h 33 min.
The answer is 8 h 06 min
